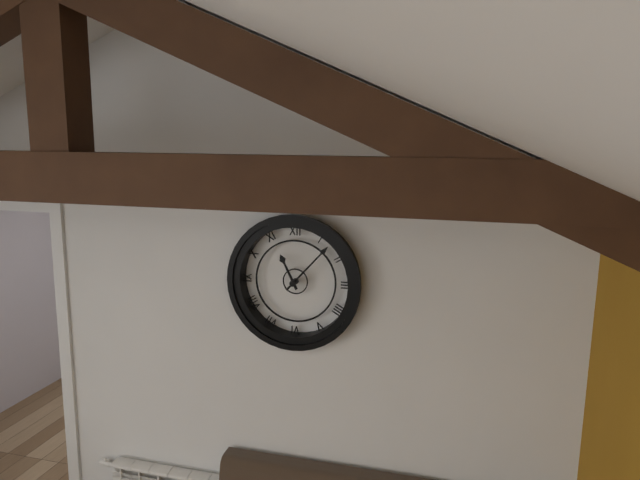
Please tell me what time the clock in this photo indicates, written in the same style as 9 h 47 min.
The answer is 11 h 07 min
